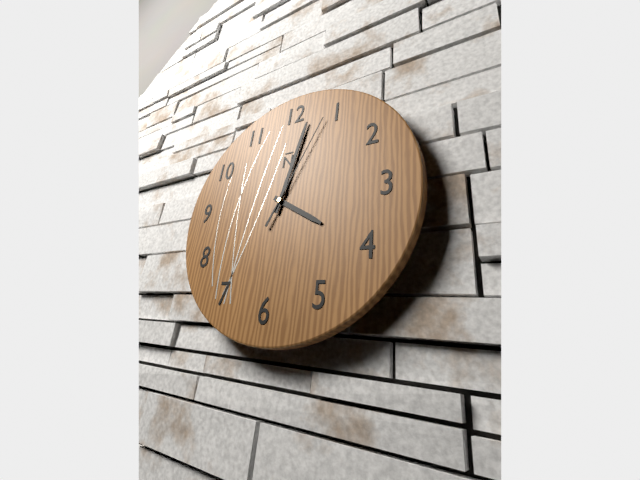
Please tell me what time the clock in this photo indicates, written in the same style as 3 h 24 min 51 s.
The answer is 4 h 02 min 04 s
